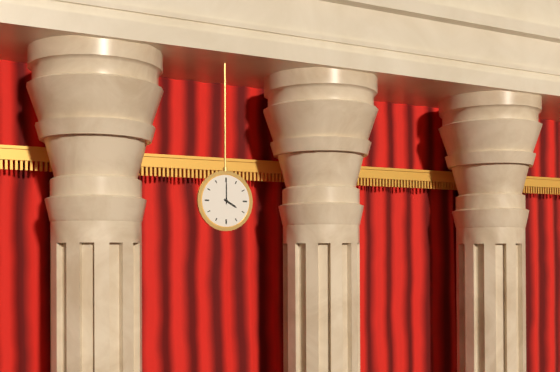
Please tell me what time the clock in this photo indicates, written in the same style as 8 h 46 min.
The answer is 4 h 00 min
